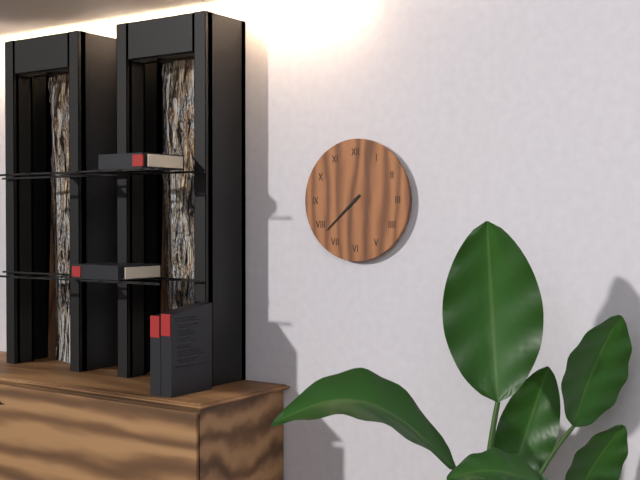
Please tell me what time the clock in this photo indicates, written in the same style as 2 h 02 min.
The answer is 7 h 38 min
